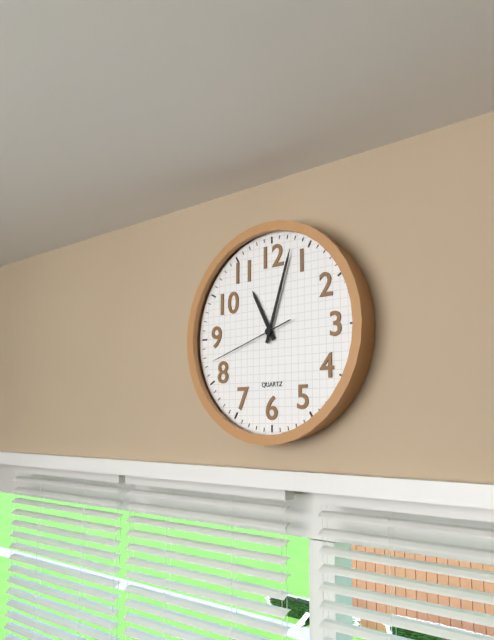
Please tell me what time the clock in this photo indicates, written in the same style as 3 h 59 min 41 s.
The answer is 11 h 03 min 42 s
